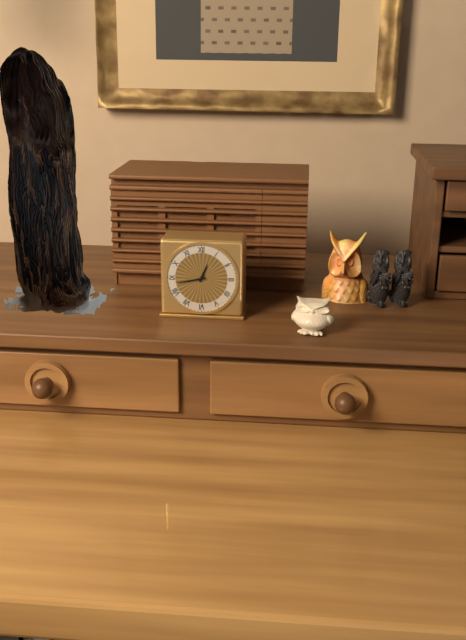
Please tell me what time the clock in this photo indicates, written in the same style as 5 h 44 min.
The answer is 12 h 43 min
